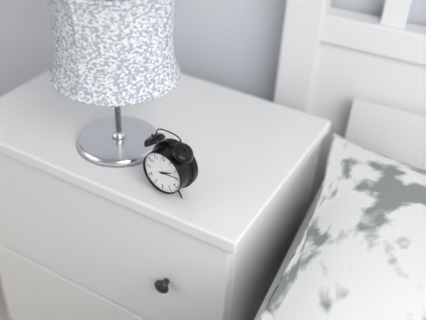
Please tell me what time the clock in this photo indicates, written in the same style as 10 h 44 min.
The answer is 2 h 14 min
